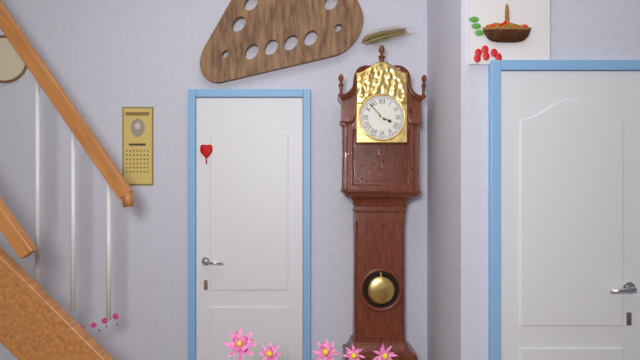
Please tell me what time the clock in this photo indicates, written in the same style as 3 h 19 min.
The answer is 3 h 53 min
